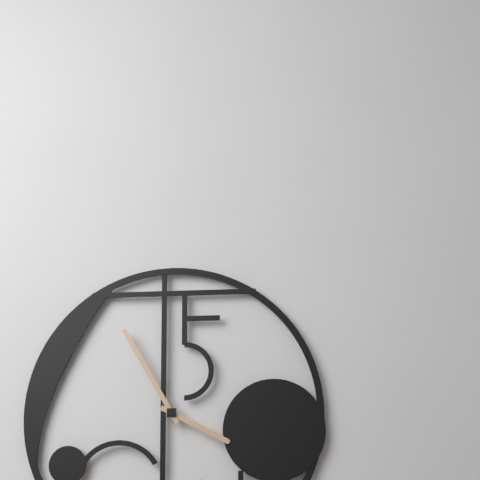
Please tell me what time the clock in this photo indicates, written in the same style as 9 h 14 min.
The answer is 3 h 55 min
